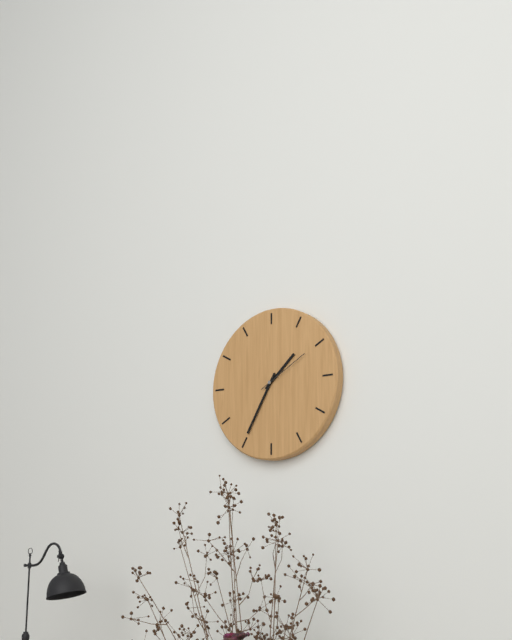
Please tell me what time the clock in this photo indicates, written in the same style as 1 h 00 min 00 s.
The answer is 1 h 35 min 10 s
